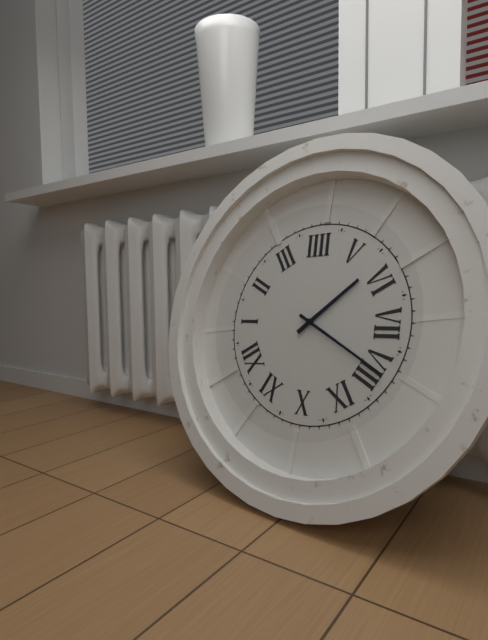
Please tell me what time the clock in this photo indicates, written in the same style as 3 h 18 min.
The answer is 5 h 40 min
